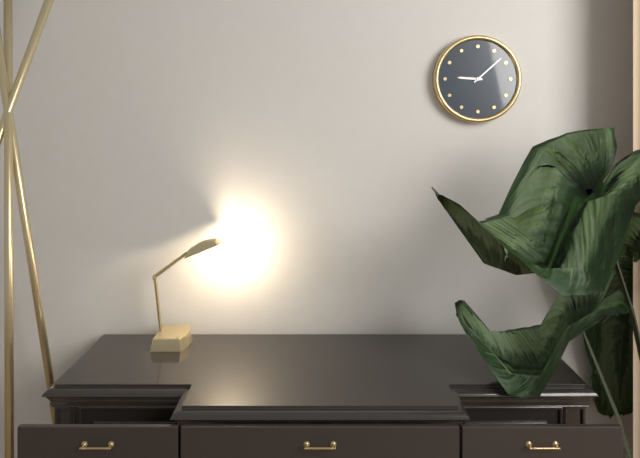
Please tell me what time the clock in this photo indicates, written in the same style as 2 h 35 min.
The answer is 9 h 08 min
